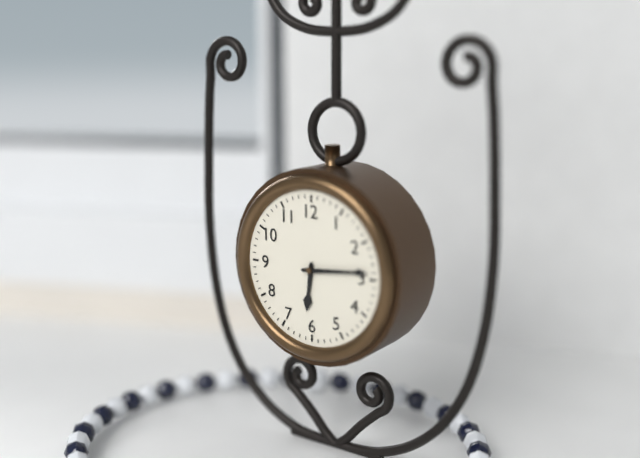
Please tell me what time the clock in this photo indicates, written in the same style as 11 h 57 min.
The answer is 6 h 14 min
